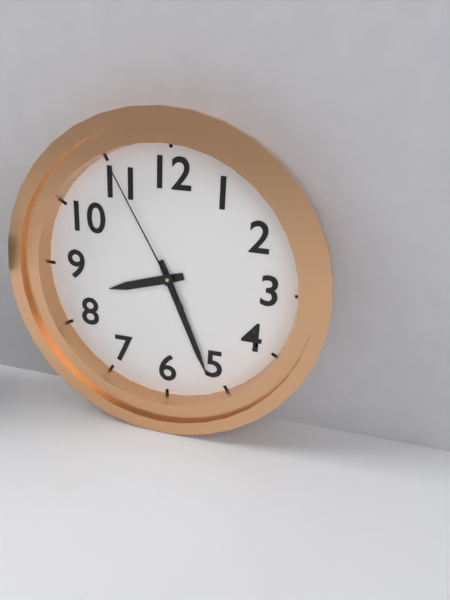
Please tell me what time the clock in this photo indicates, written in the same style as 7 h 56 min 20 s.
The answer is 8 h 26 min 55 s
